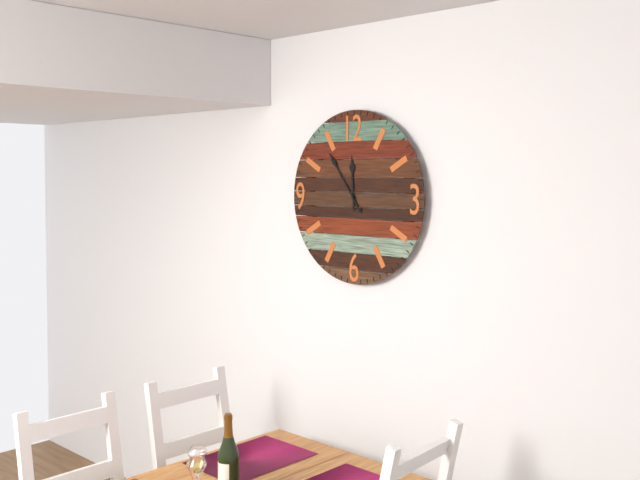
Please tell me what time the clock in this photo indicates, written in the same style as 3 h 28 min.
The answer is 11 h 54 min
